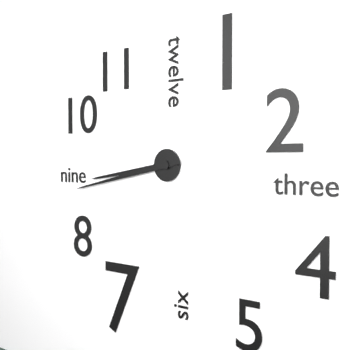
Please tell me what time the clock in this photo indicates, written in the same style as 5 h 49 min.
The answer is 8 h 43 min
